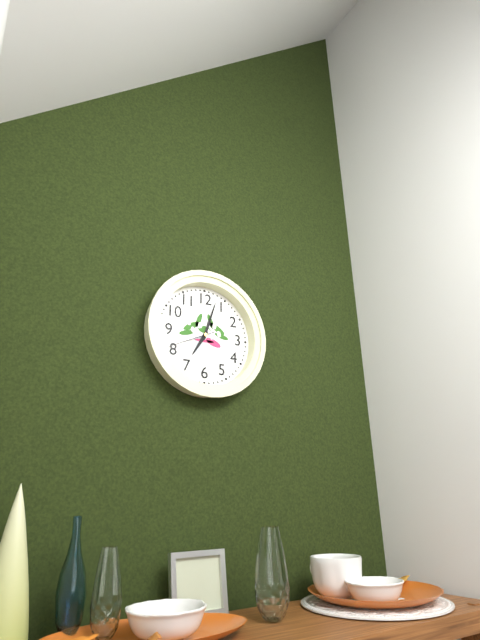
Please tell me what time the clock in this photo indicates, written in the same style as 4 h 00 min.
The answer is 7 h 03 min
